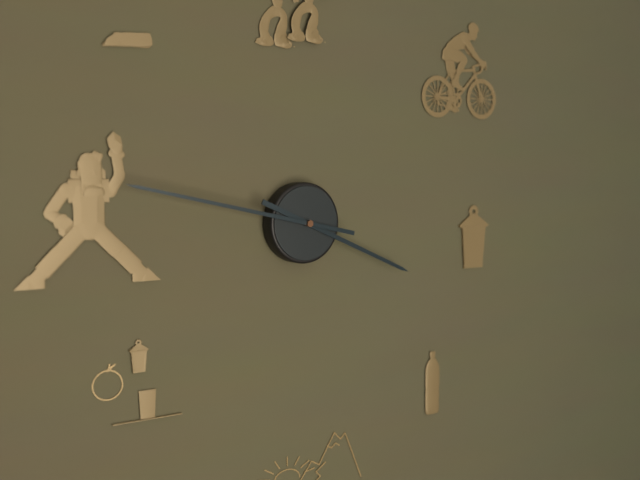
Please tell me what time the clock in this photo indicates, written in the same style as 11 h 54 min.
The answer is 3 h 47 min
